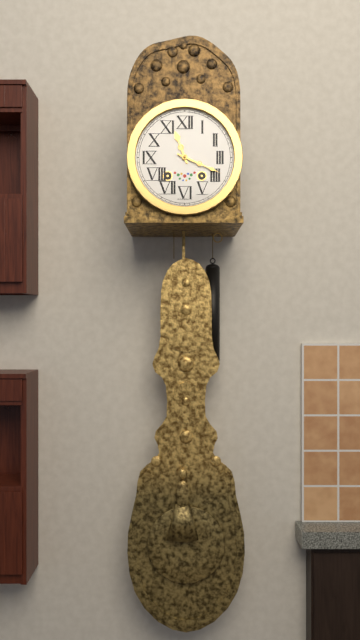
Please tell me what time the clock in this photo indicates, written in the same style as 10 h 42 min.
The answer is 11 h 19 min
